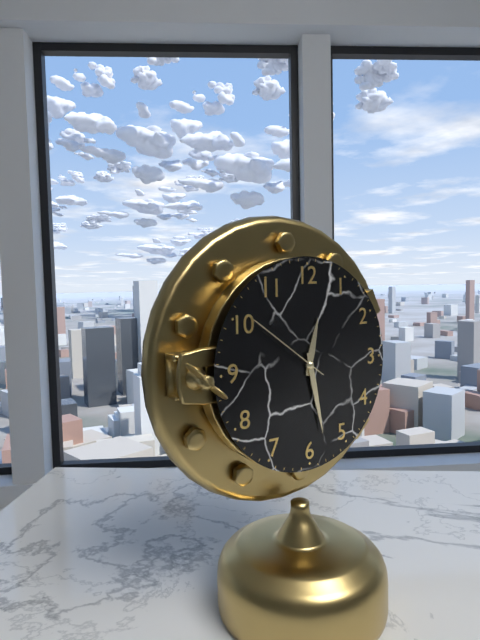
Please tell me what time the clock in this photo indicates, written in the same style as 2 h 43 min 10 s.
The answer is 12 h 28 min 51 s
